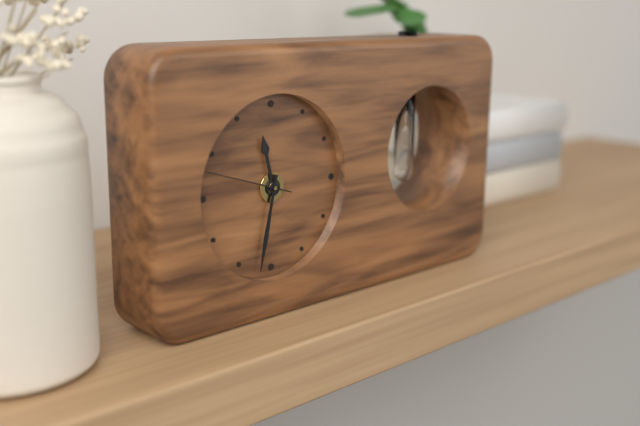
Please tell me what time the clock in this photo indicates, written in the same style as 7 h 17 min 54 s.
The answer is 11 h 32 min 48 s
